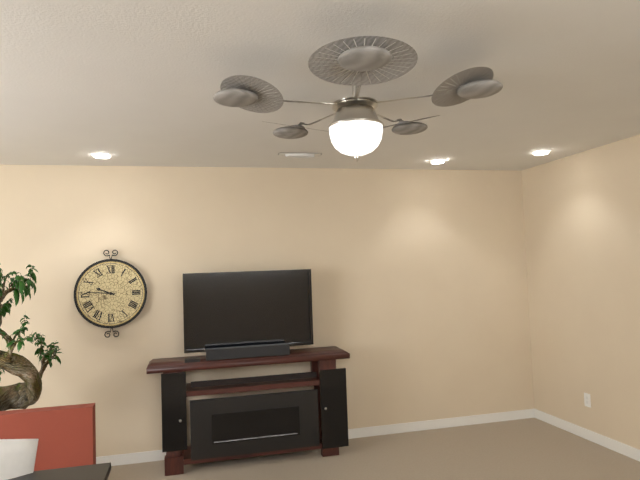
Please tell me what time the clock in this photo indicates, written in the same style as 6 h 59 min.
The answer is 9 h 46 min
